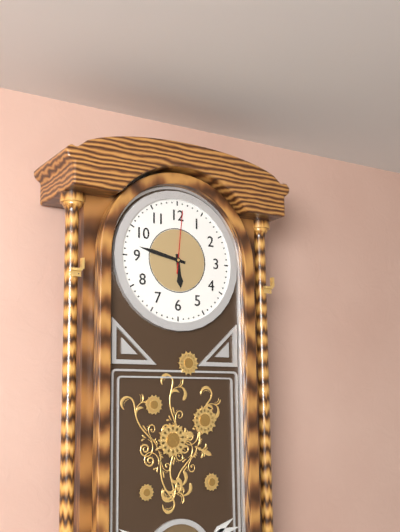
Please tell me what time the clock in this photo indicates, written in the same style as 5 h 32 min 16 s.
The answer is 5 h 47 min 01 s
